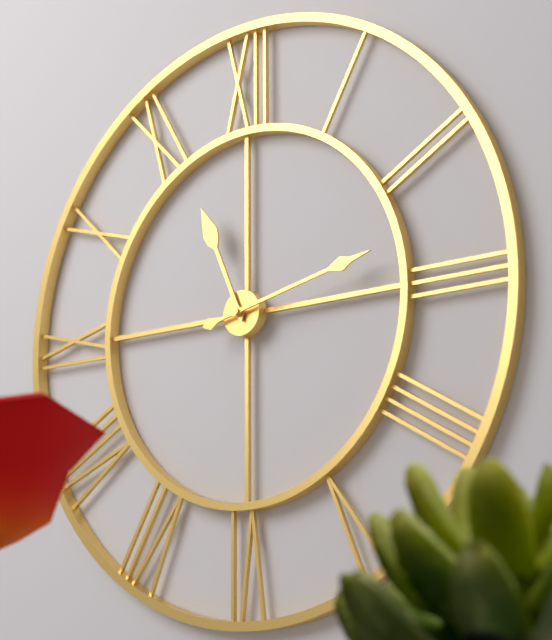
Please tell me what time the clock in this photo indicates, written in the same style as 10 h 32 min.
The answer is 11 h 13 min
